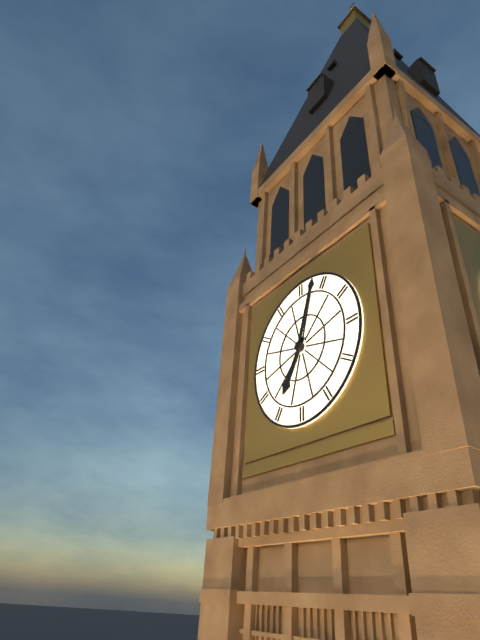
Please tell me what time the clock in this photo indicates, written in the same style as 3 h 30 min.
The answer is 7 h 03 min
